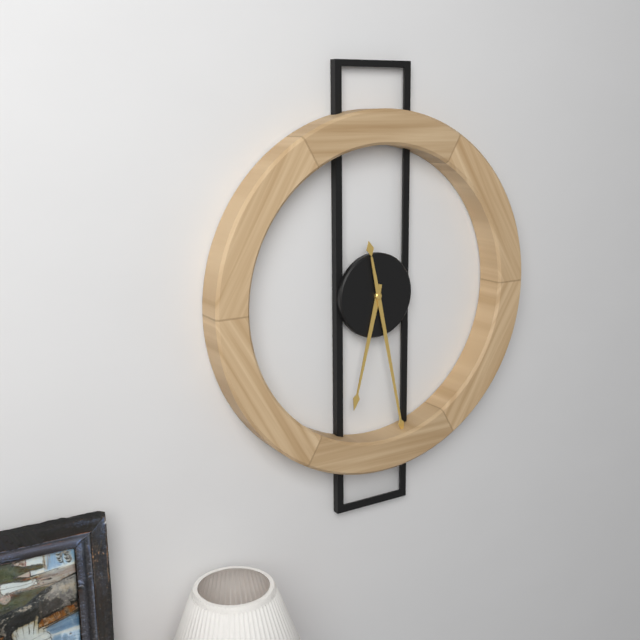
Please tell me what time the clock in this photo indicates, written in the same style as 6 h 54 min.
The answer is 6 h 28 min
